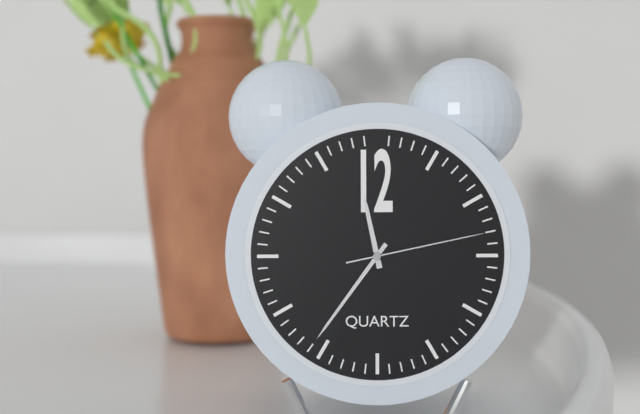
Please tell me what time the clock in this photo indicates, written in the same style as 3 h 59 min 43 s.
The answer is 11 h 36 min 13 s
